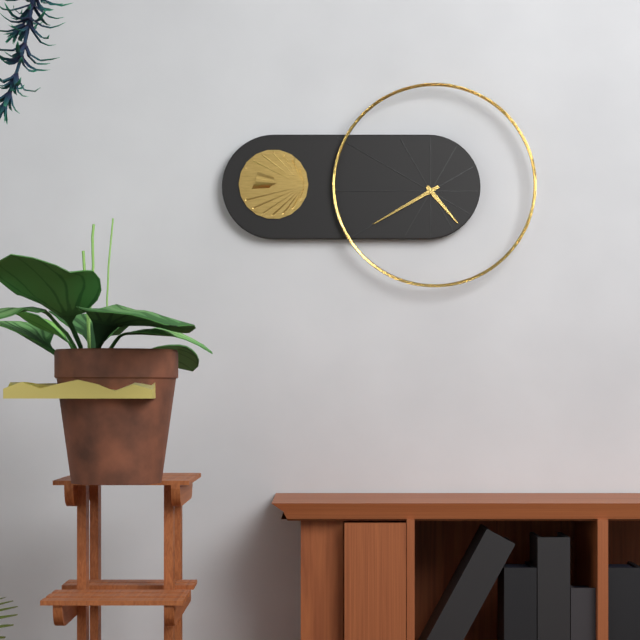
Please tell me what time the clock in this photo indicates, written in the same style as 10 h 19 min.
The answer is 4 h 40 min
